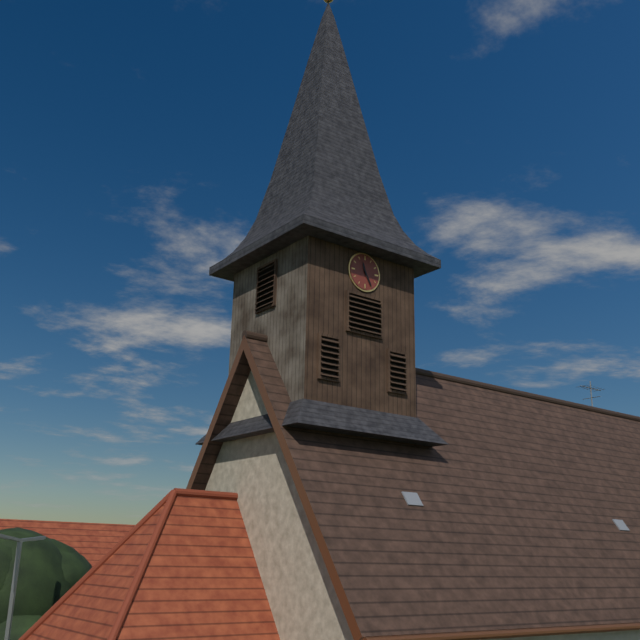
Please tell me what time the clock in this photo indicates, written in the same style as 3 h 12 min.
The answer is 11 h 25 min
